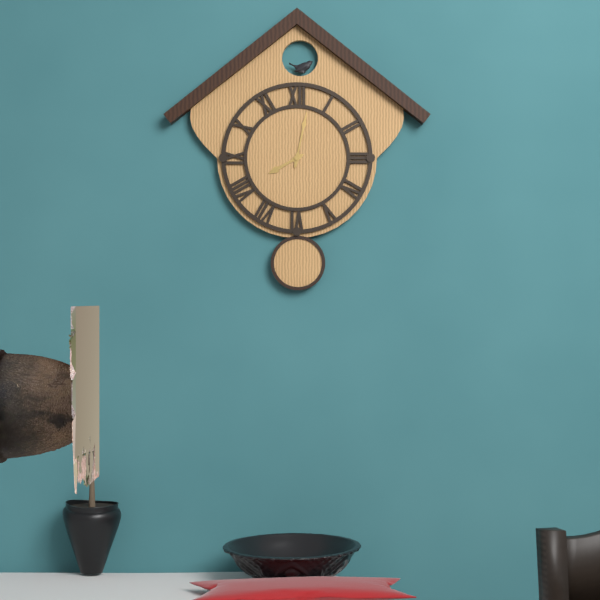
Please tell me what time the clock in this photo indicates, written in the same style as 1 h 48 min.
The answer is 8 h 02 min
